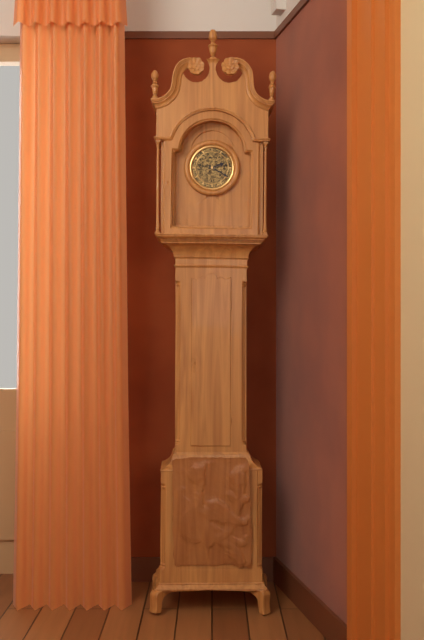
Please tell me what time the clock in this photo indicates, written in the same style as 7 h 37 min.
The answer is 2 h 20 min
